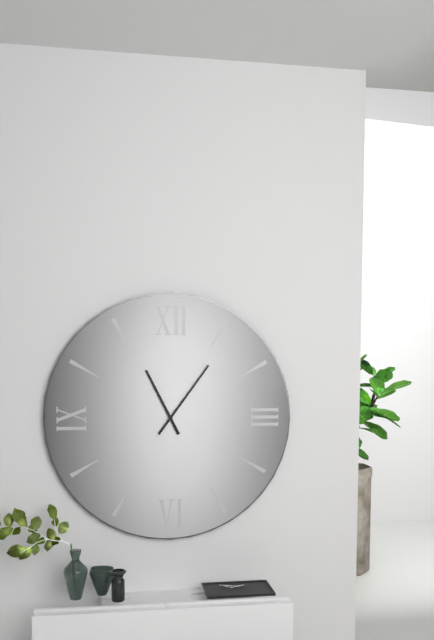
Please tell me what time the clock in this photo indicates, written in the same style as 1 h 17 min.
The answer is 11 h 06 min
